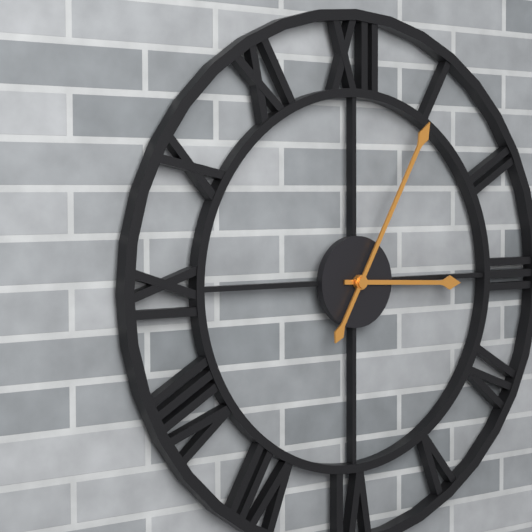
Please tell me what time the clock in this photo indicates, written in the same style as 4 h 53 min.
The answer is 3 h 05 min
